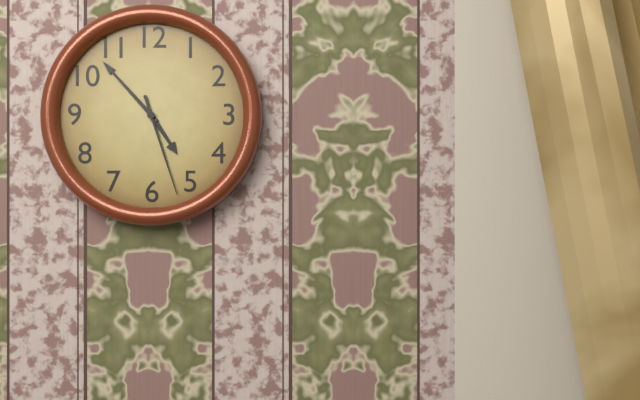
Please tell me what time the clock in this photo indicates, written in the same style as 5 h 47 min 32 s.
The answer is 4 h 53 min 27 s
